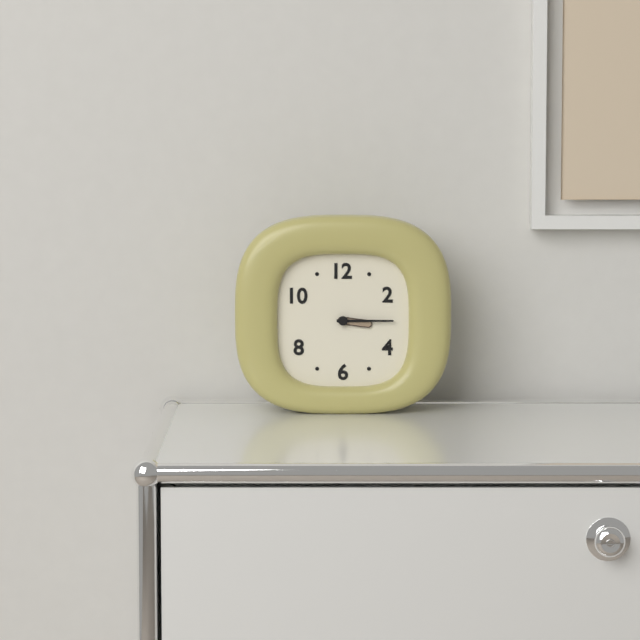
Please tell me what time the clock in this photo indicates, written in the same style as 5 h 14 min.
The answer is 3 h 15 min
